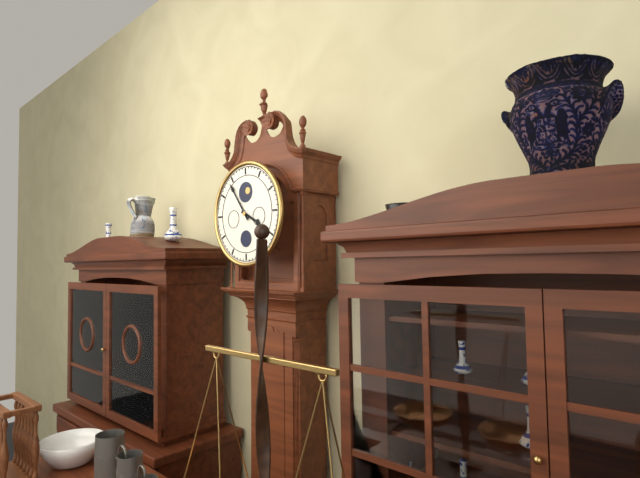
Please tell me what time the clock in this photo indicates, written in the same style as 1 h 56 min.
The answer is 3 h 54 min
